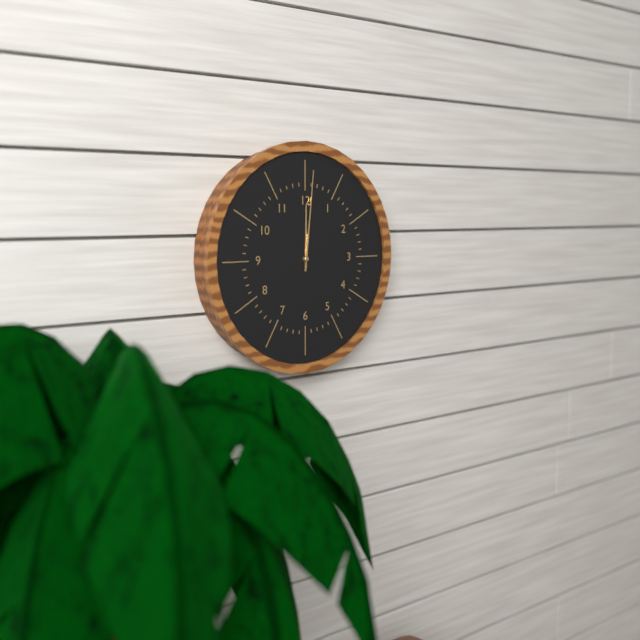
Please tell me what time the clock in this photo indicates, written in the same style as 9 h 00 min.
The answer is 12 h 01 min
